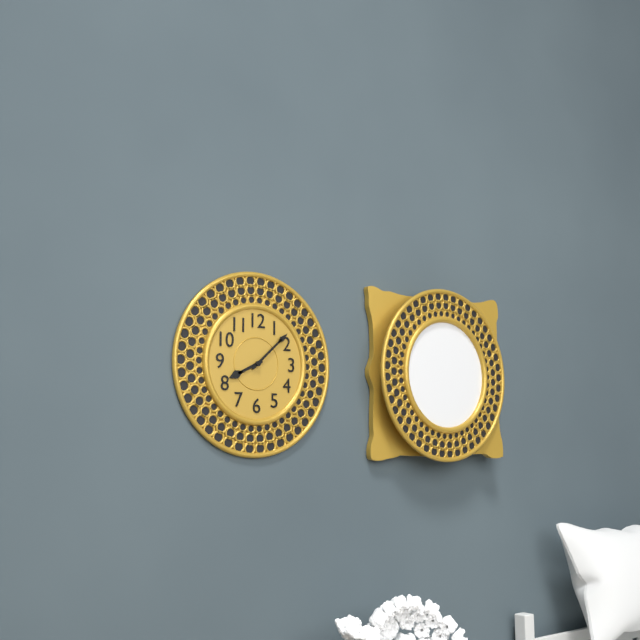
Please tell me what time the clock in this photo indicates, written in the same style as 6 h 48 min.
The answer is 8 h 08 min
